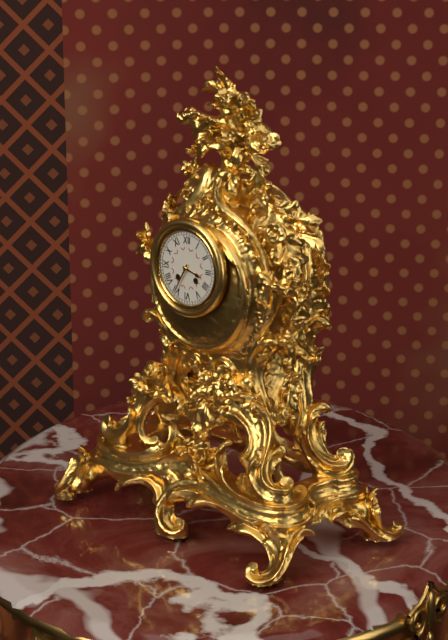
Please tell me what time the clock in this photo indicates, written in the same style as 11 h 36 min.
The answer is 3 h 35 min
